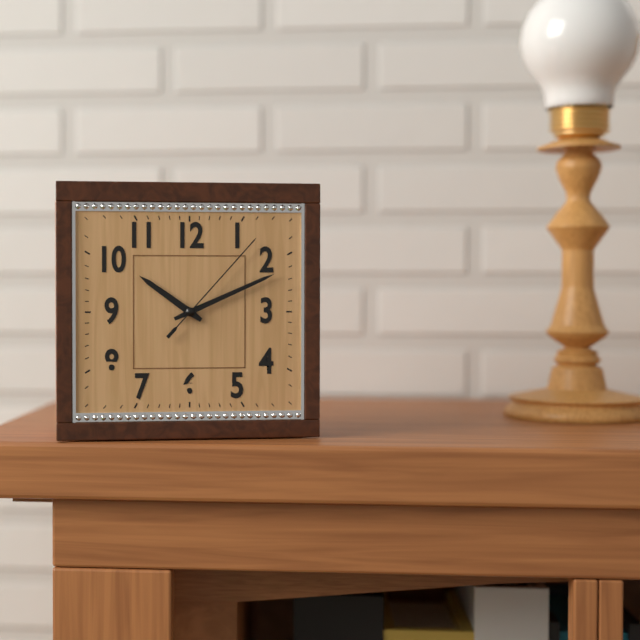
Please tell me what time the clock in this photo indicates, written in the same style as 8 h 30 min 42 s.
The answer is 10 h 11 min 07 s
